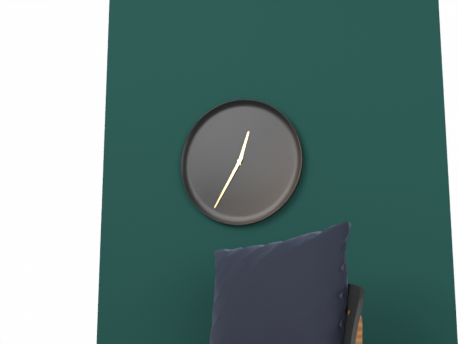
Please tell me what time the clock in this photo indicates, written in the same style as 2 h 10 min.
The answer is 12 h 35 min
